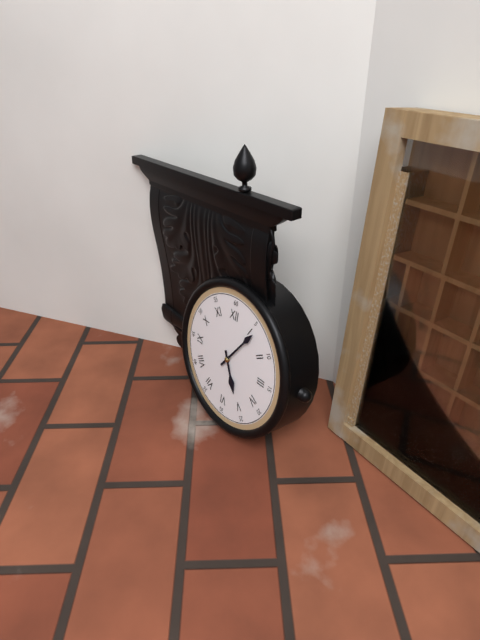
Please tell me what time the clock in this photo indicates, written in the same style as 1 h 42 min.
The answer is 5 h 06 min
